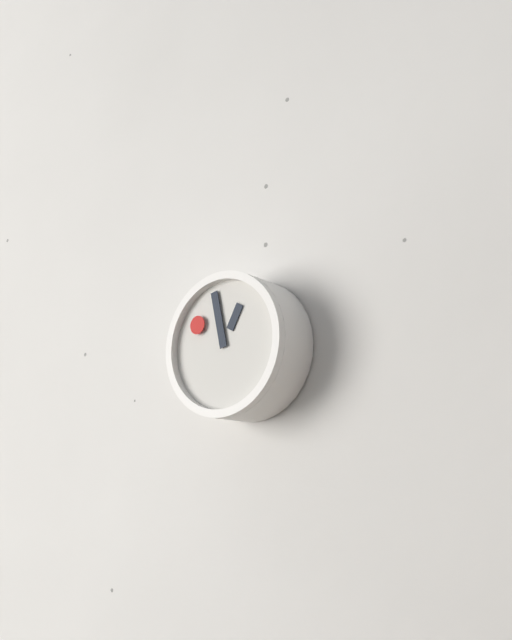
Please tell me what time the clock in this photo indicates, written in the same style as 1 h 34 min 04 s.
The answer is 12 h 58 min 51 s
